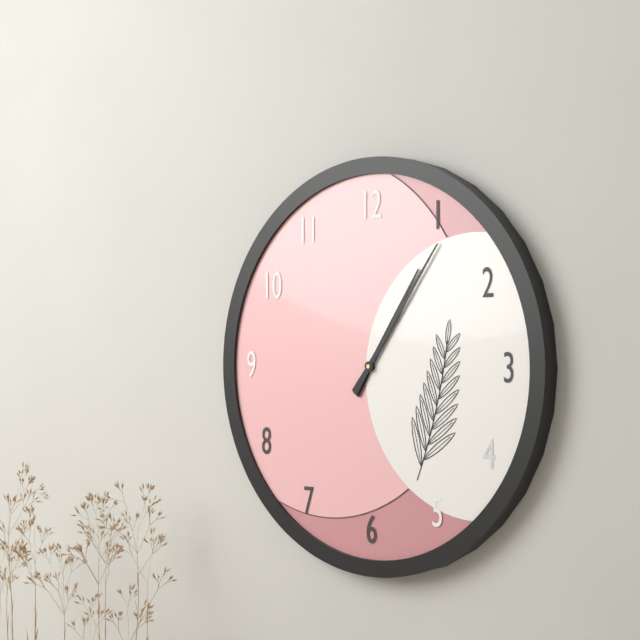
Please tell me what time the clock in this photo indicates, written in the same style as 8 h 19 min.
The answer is 1 h 06 min
